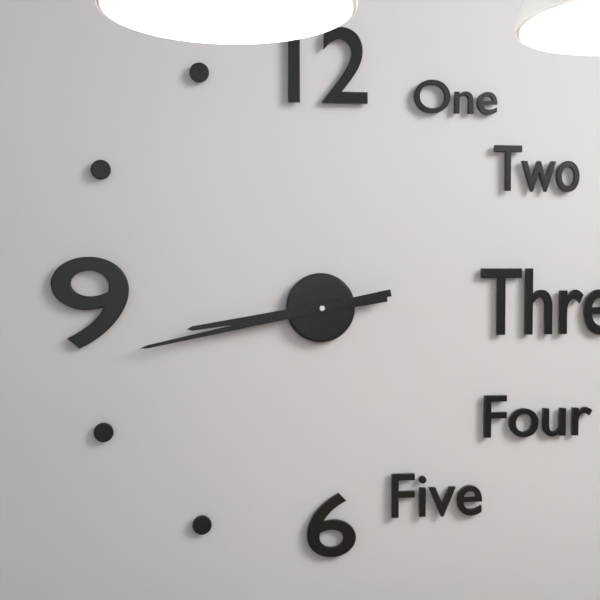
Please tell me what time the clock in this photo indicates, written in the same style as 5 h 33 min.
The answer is 8 h 43 min
